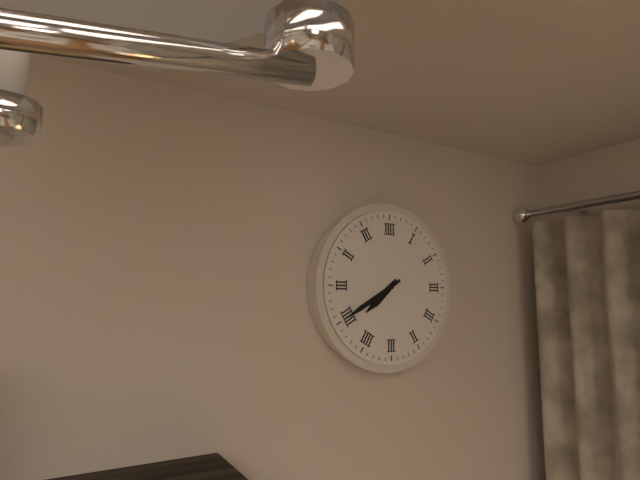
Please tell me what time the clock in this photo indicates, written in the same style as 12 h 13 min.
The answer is 7 h 40 min
